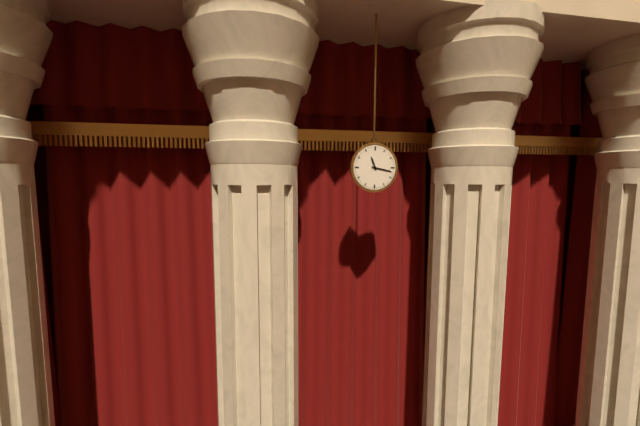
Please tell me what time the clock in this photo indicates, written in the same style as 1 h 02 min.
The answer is 11 h 17 min
